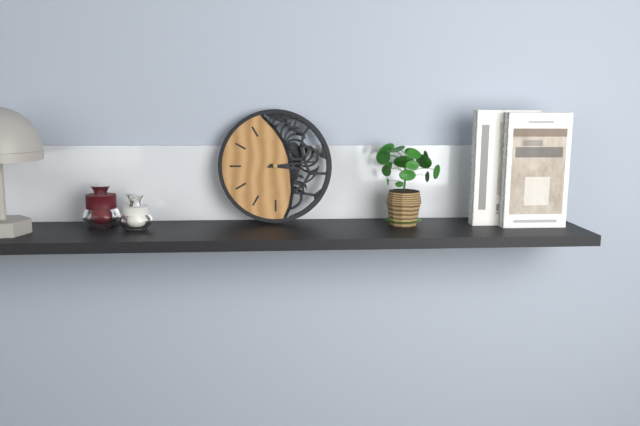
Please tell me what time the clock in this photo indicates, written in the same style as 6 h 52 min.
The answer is 3 h 14 min
